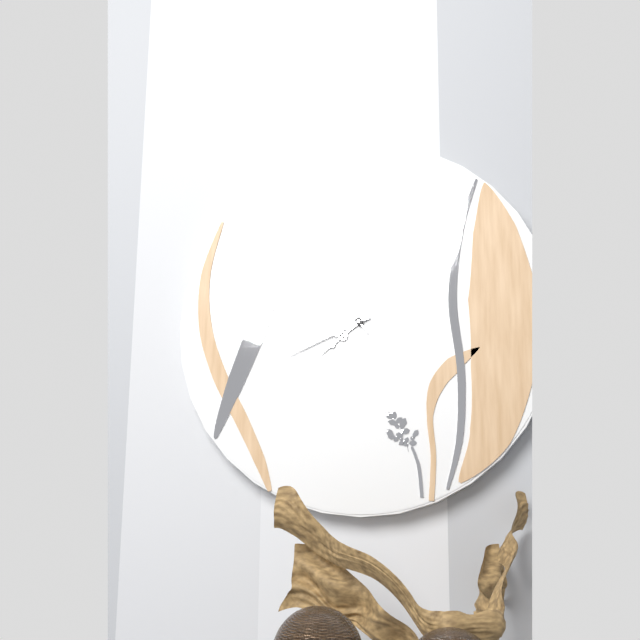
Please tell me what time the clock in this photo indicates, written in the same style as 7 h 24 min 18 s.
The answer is 7 h 41 min 54 s
